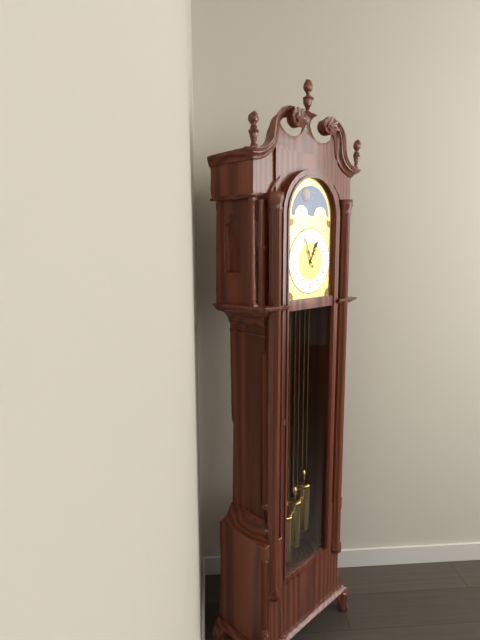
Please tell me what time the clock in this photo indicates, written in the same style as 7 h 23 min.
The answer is 12 h 56 min
